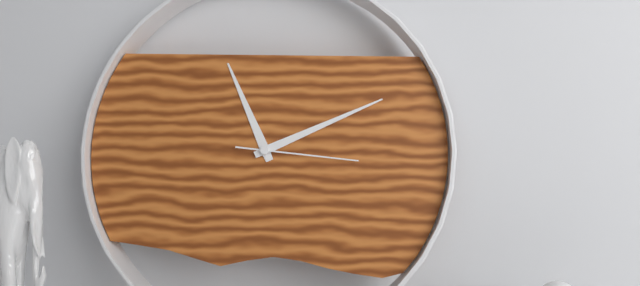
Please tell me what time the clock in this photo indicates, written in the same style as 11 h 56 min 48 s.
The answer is 11 h 11 min 16 s
